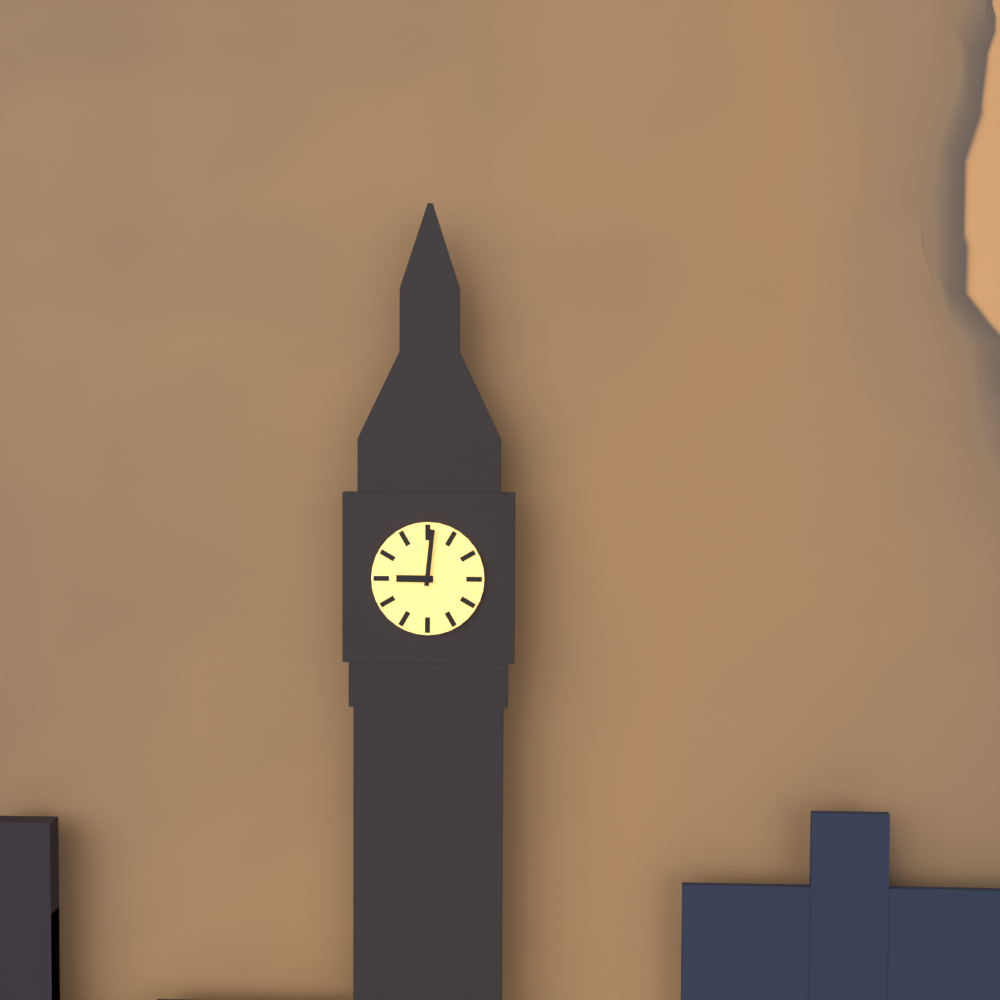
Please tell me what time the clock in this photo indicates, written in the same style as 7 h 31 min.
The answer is 9 h 01 min
